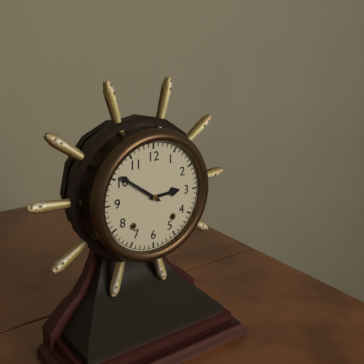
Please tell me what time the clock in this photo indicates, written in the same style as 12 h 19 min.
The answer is 2 h 51 min
